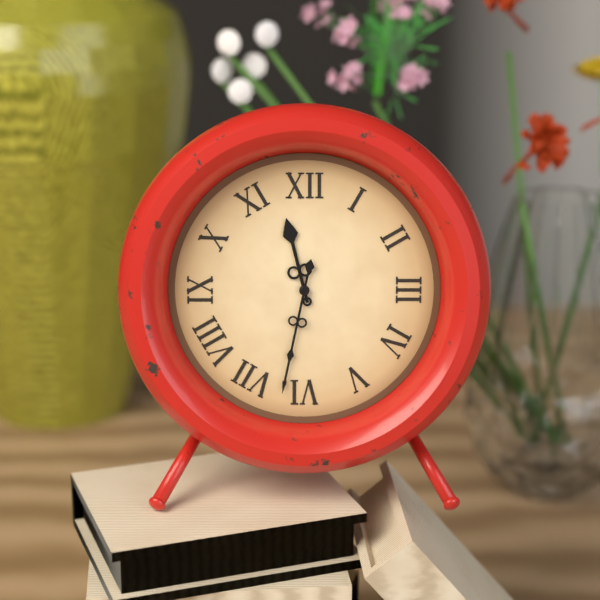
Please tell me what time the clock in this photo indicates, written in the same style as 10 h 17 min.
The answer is 11 h 32 min
